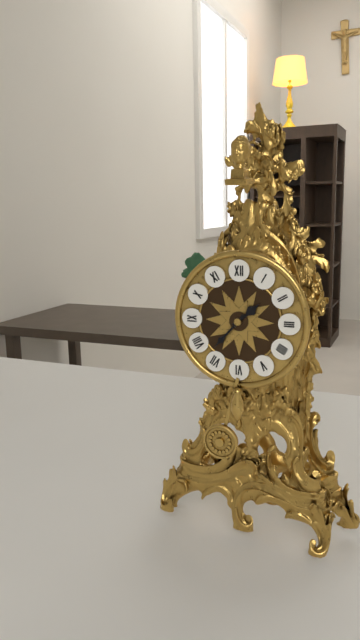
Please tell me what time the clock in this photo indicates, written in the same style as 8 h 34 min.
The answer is 1 h 37 min
